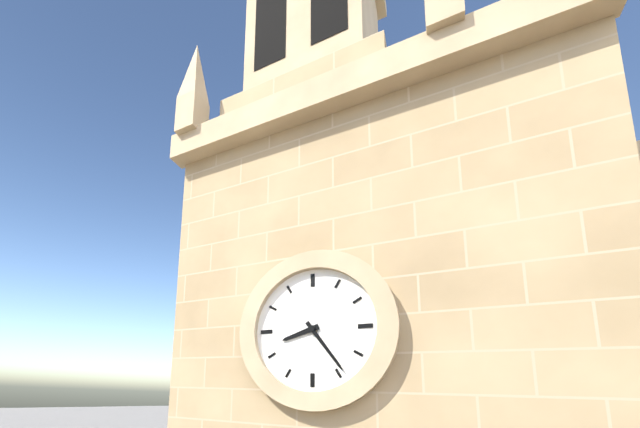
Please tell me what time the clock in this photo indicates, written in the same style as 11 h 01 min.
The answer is 8 h 24 min
